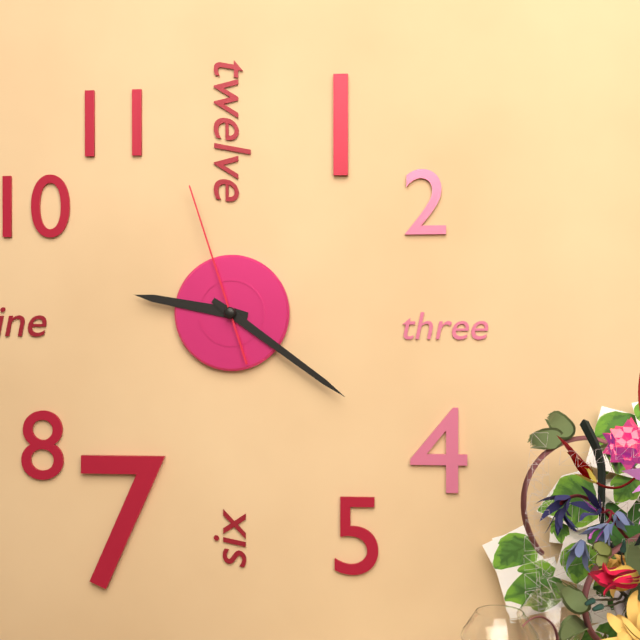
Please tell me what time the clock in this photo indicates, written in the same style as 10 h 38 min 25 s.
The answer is 9 h 21 min 57 s
